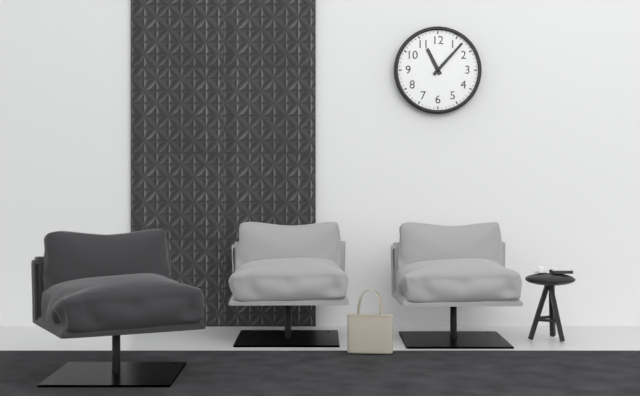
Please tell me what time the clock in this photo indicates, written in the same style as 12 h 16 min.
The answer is 11 h 07 min
